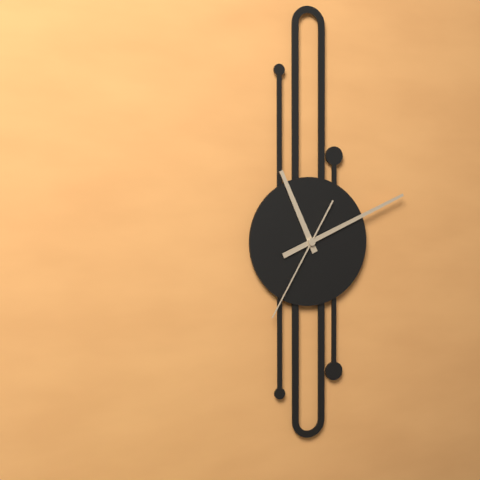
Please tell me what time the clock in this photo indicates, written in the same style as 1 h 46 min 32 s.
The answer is 11 h 11 min 35 s
